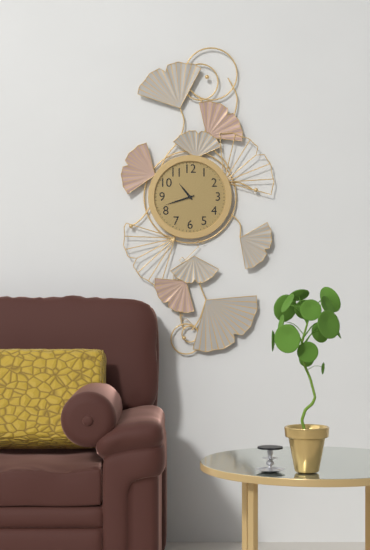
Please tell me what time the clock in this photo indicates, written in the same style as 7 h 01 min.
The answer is 10 h 42 min
